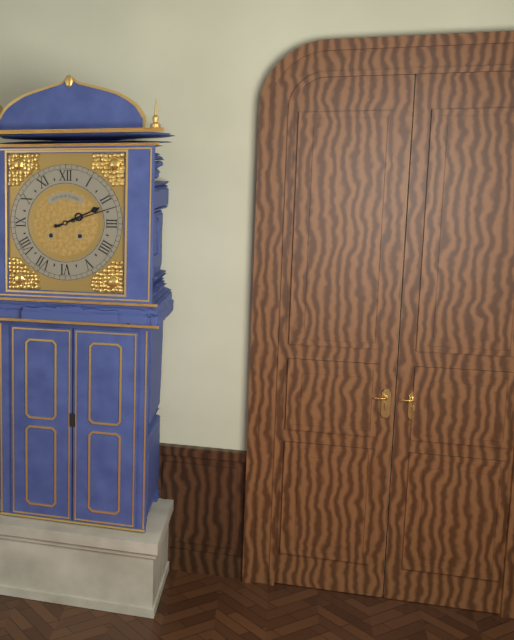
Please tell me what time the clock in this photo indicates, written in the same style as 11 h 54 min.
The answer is 2 h 12 min
